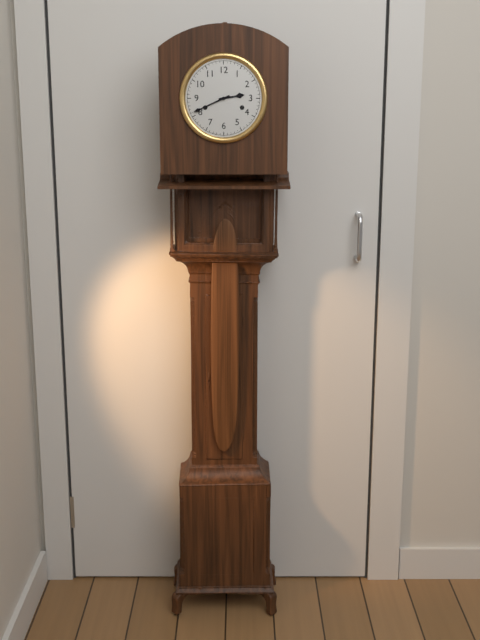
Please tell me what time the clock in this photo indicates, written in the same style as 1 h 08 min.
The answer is 2 h 41 min
